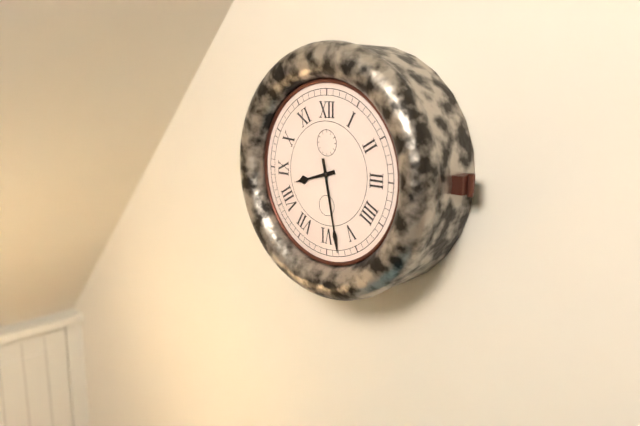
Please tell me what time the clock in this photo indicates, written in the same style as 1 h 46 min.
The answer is 8 h 28 min
